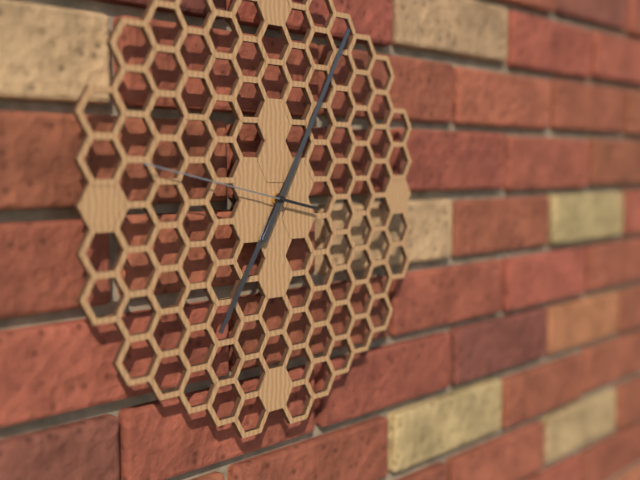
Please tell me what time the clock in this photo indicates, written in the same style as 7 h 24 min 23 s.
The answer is 7 h 05 min 47 s
